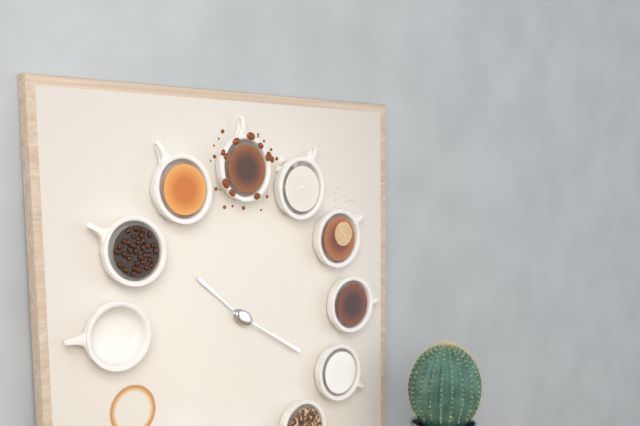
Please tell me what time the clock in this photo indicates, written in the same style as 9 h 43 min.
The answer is 10 h 20 min
